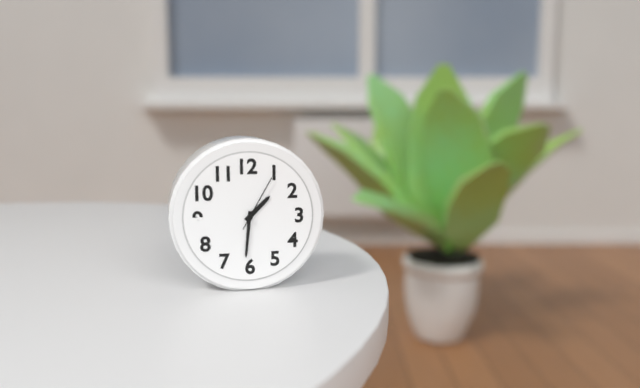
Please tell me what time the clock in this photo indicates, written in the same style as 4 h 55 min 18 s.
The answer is 1 h 31 min 05 s
